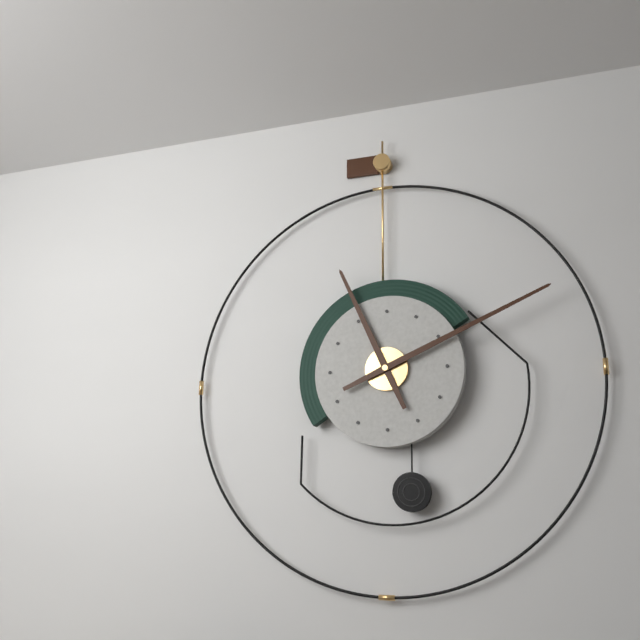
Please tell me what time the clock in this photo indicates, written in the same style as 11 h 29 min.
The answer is 11 h 11 min
